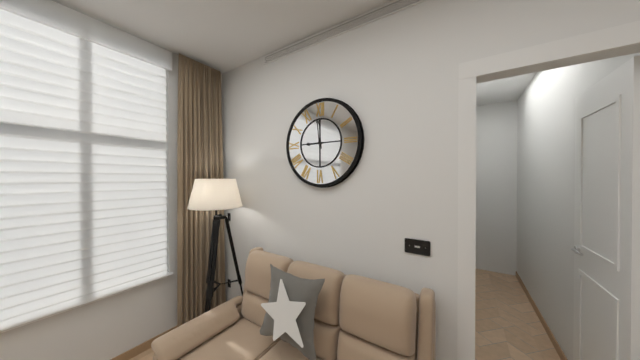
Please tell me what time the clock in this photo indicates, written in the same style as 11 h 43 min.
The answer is 8 h 59 min
